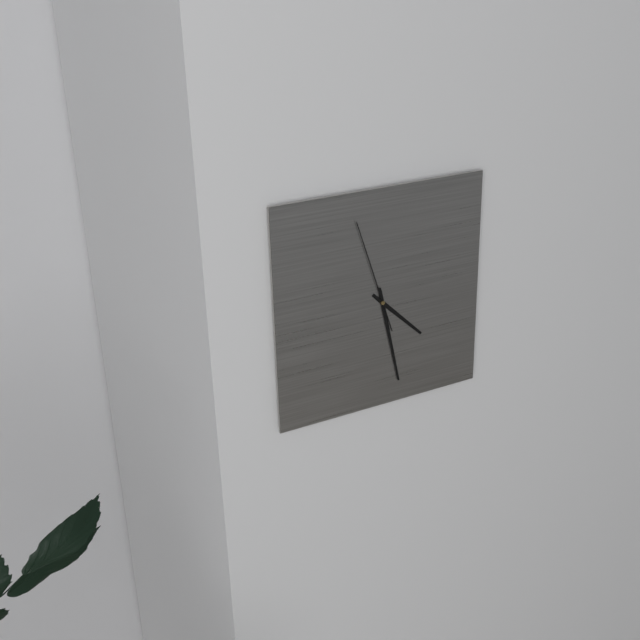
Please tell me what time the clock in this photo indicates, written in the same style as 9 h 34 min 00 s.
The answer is 4 h 28 min 57 s
